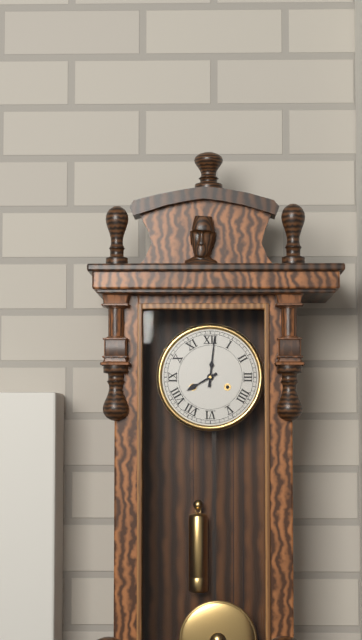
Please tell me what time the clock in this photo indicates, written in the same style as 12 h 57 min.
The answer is 8 h 01 min
